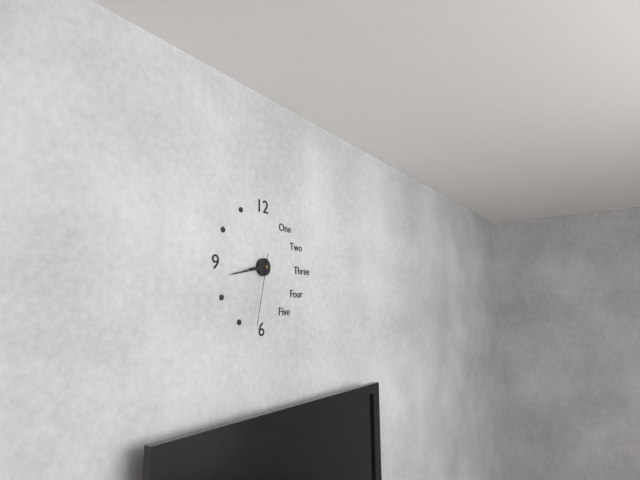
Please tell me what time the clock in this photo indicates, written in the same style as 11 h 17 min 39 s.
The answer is 8 h 43 min 32 s
